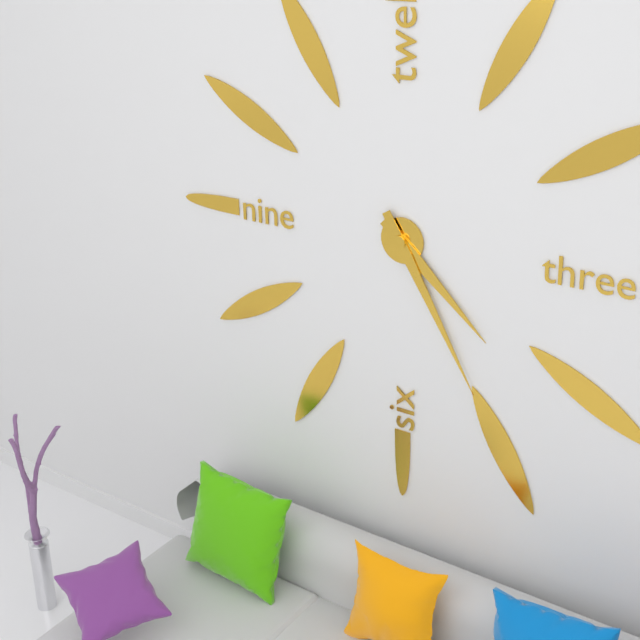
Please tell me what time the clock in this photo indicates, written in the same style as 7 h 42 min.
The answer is 4 h 25 min
